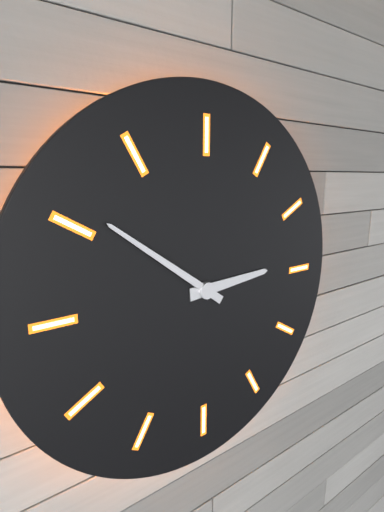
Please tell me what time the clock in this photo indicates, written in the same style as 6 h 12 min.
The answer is 2 h 51 min
